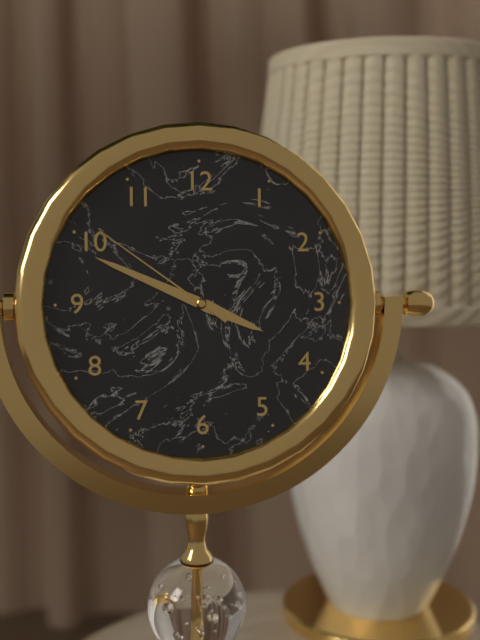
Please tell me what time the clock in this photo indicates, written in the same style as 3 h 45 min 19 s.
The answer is 3 h 49 min 51 s
